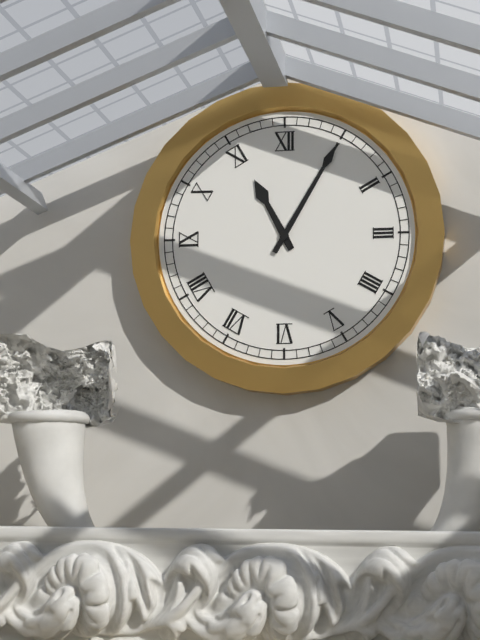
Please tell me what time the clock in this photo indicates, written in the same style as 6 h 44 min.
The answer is 11 h 05 min
